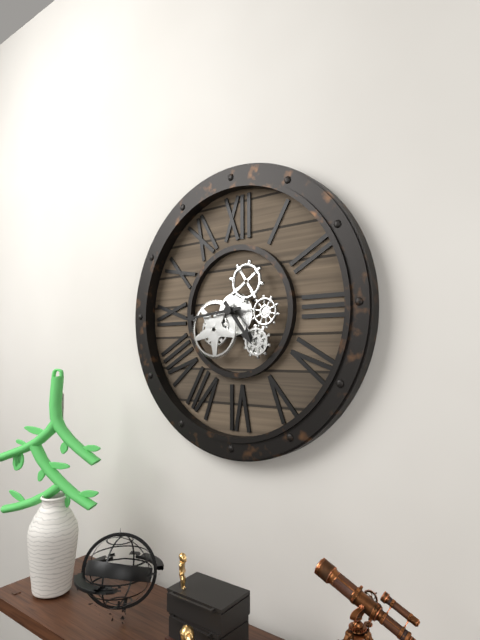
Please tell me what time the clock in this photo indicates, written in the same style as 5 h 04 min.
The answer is 4 h 44 min
